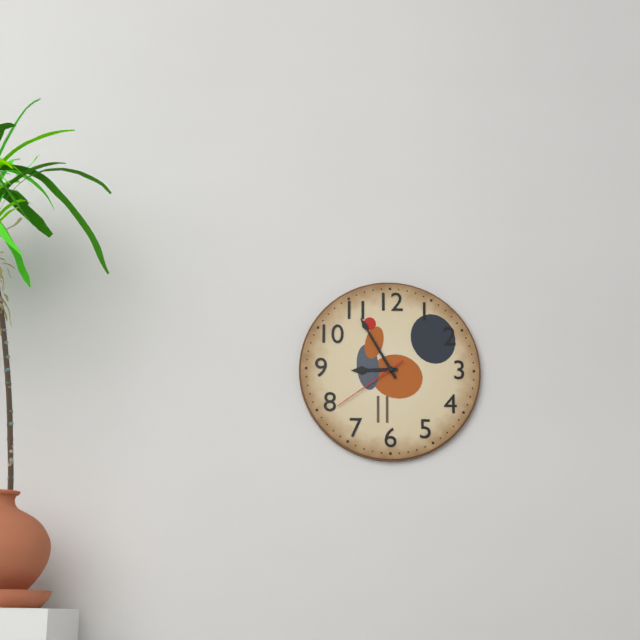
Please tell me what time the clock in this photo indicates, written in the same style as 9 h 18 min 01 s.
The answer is 8 h 55 min 39 s
